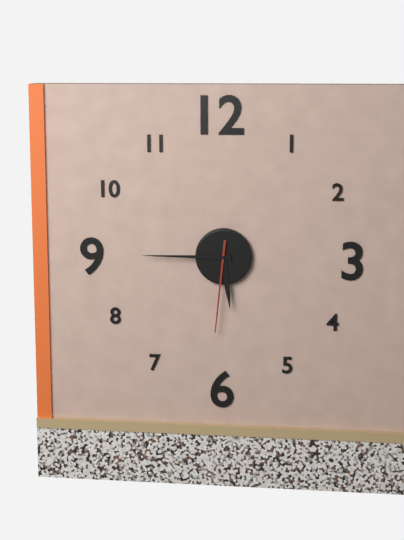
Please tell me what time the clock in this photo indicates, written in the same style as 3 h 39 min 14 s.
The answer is 5 h 45 min 31 s
